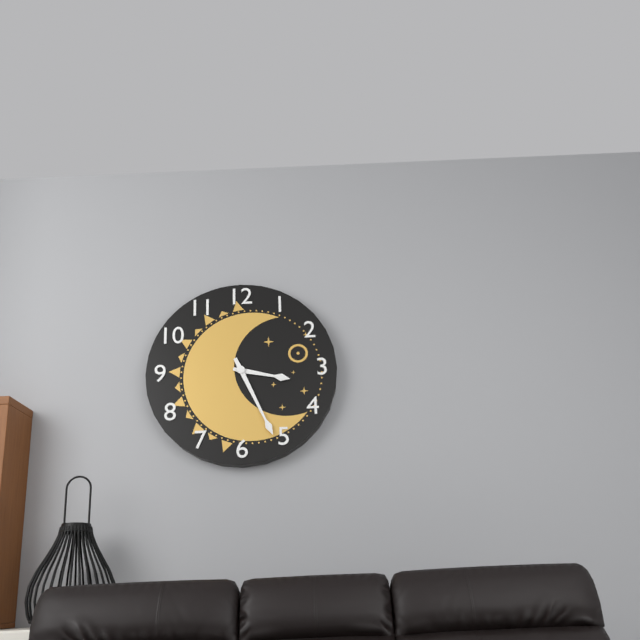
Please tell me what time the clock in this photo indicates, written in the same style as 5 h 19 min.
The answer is 3 h 26 min
